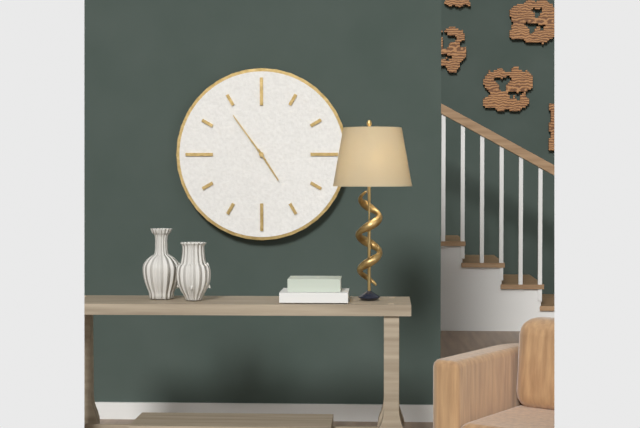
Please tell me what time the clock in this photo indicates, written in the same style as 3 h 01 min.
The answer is 4 h 54 min
